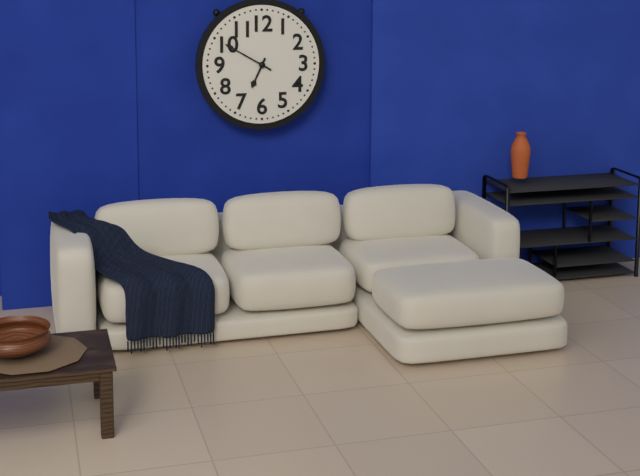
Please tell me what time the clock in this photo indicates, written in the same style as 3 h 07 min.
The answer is 6 h 50 min
